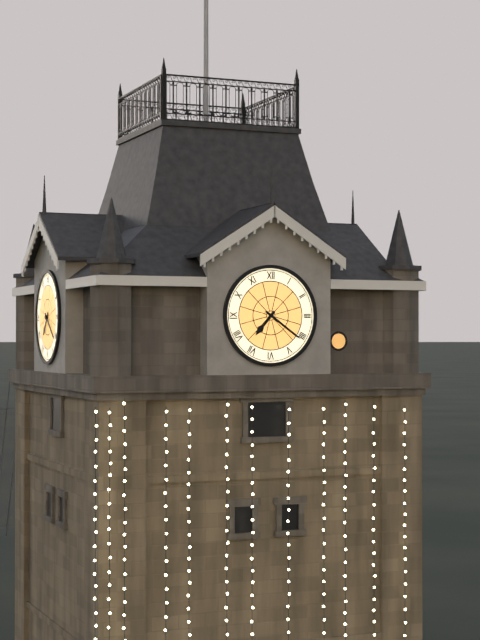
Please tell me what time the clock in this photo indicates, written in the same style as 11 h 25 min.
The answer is 7 h 21 min
